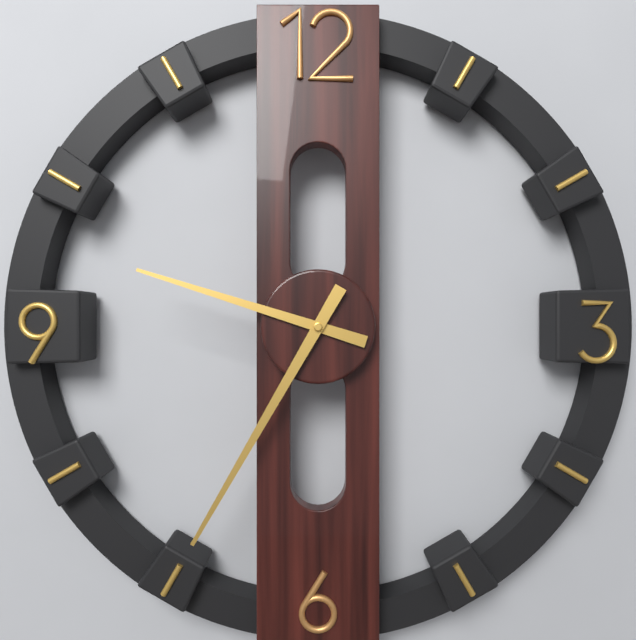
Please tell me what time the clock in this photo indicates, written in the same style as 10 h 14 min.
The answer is 9 h 35 min
